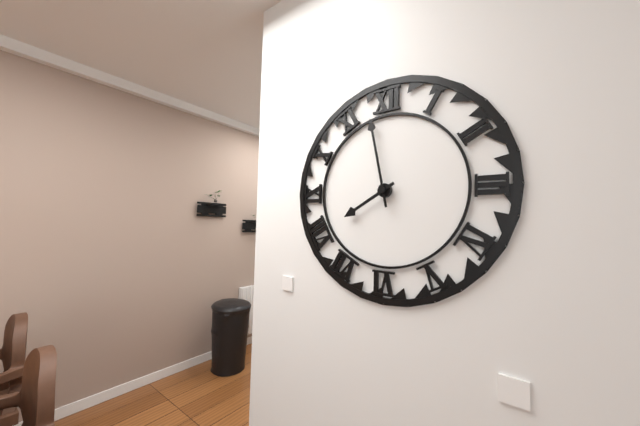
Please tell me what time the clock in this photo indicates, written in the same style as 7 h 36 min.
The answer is 7 h 58 min
